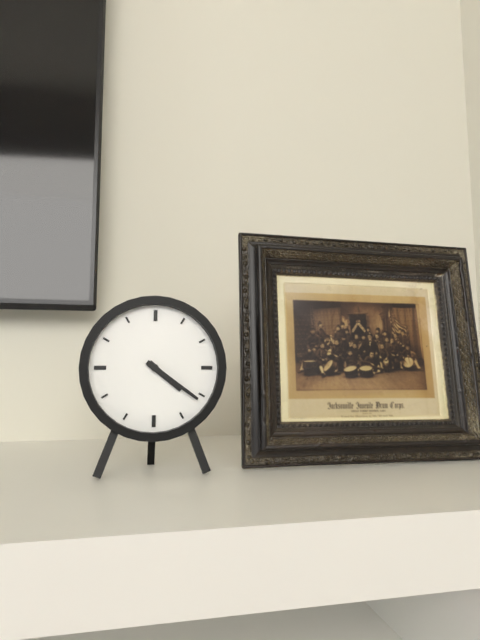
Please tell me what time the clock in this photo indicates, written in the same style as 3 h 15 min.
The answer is 4 h 21 min
